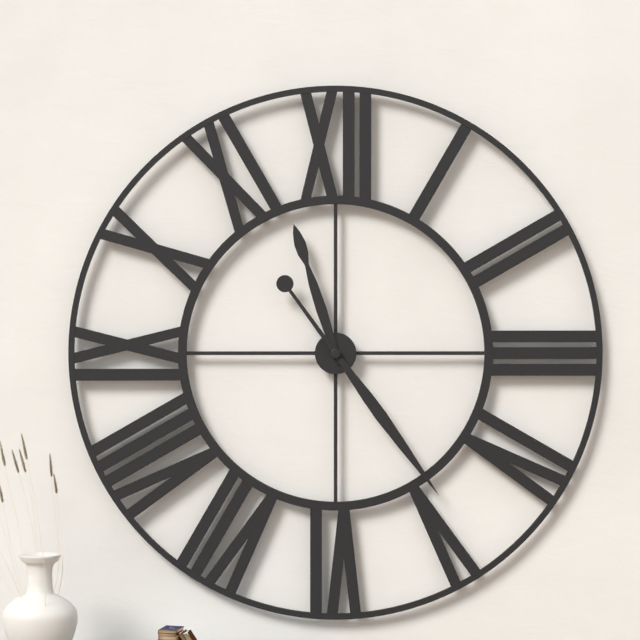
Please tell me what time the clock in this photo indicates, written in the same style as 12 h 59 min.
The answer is 11 h 24 min
